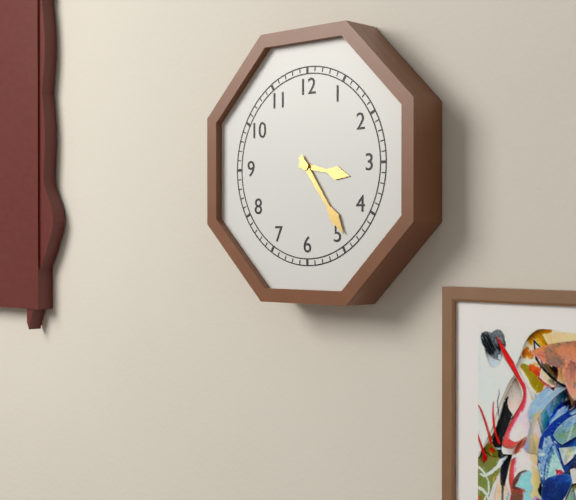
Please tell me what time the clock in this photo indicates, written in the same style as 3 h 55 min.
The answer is 3 h 24 min
